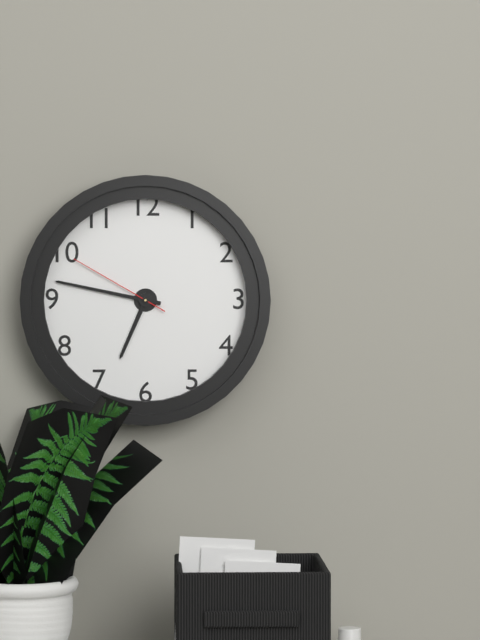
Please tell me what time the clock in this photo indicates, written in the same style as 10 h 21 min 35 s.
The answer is 6 h 47 min 50 s
